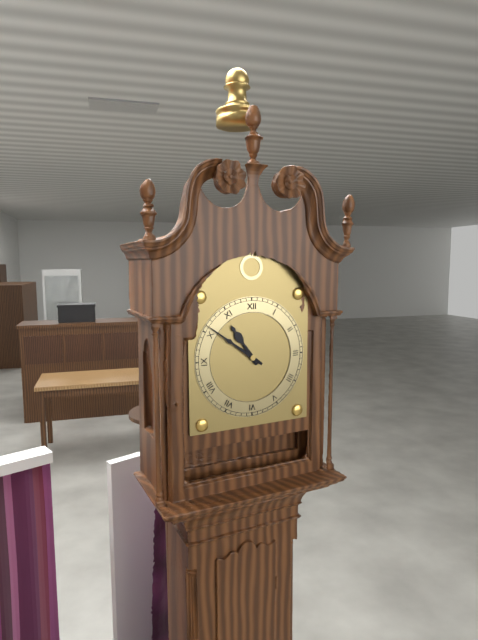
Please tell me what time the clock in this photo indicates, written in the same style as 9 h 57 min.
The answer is 10 h 51 min
